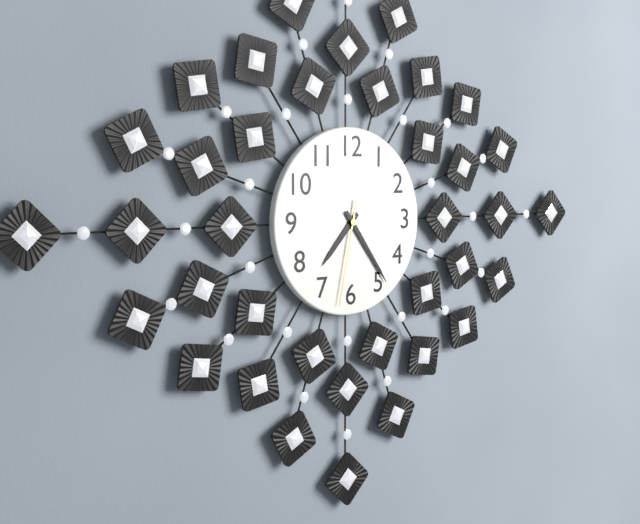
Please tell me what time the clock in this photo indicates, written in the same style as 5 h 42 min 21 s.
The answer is 7 h 24 min 32 s
